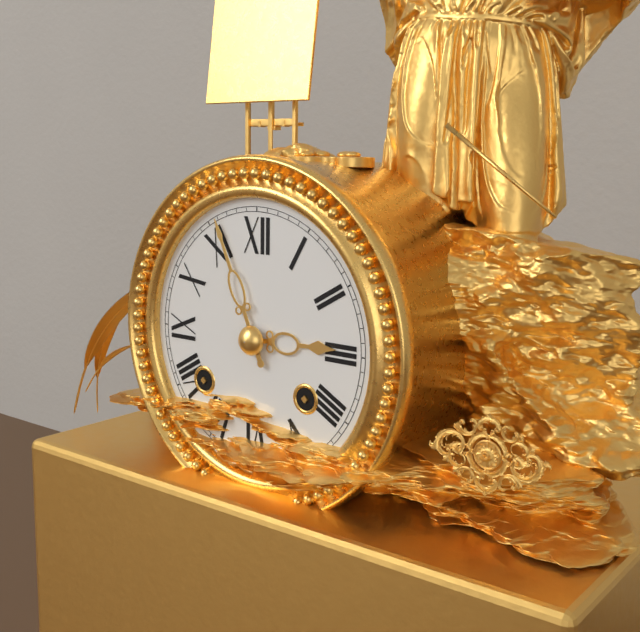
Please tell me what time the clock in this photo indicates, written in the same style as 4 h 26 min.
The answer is 2 h 56 min
